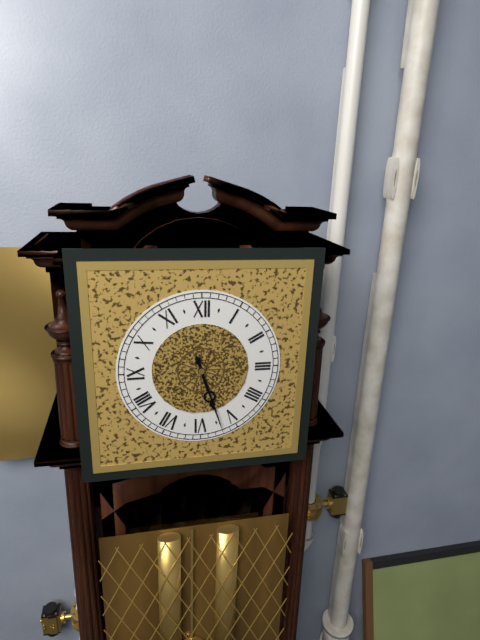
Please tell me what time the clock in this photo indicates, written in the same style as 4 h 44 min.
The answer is 5 h 27 min
